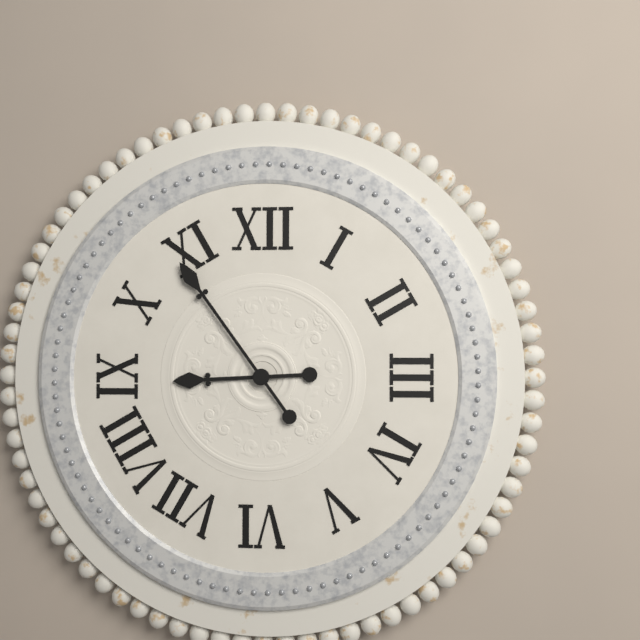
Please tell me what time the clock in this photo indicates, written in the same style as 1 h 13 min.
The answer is 8 h 54 min
